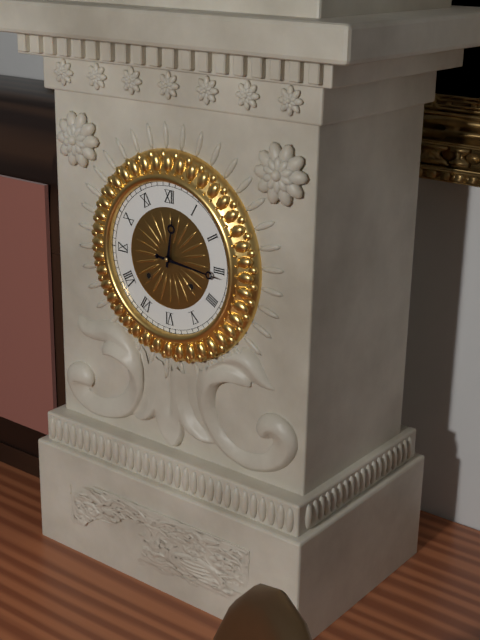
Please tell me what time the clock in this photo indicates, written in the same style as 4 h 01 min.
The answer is 12 h 16 min
